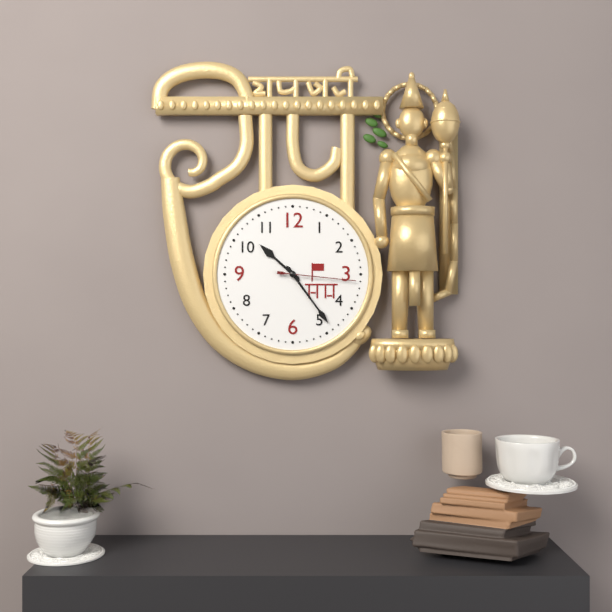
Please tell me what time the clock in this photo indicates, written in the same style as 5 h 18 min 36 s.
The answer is 10 h 24 min 16 s
